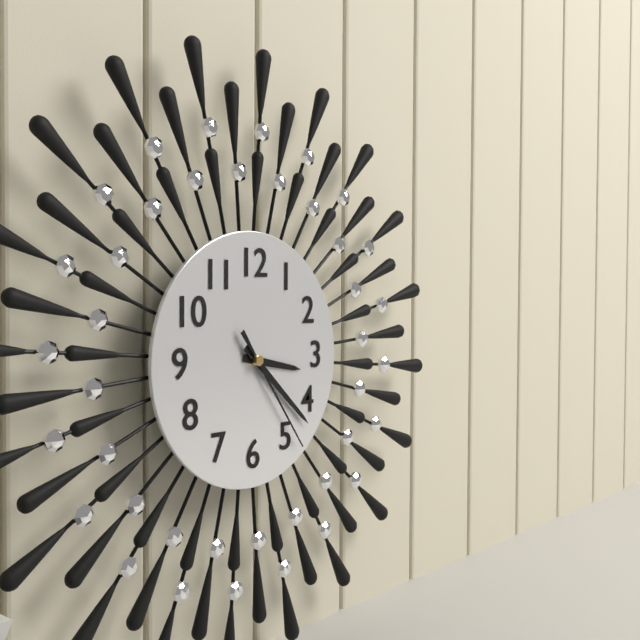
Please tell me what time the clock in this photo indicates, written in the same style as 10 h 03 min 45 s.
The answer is 3 h 22 min 24 s
